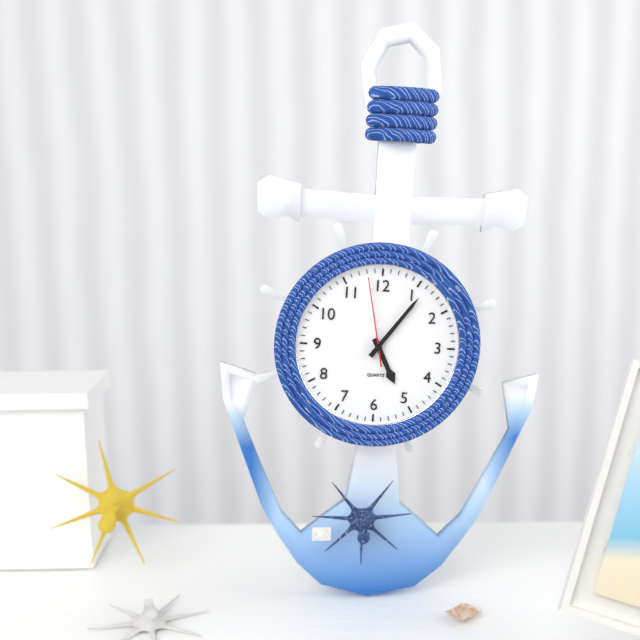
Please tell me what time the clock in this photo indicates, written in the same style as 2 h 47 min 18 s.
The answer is 5 h 06 min 58 s
